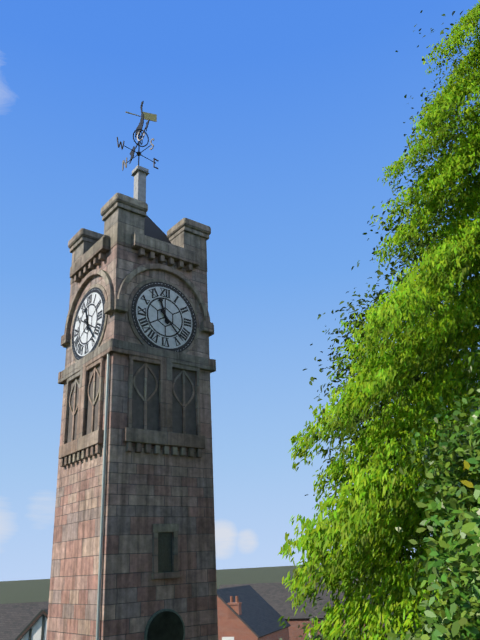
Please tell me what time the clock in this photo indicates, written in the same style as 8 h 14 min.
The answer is 11 h 23 min
